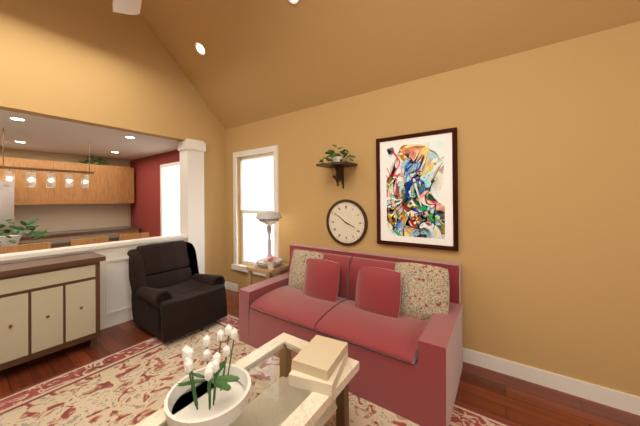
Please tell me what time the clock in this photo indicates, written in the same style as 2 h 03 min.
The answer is 3 h 51 min
